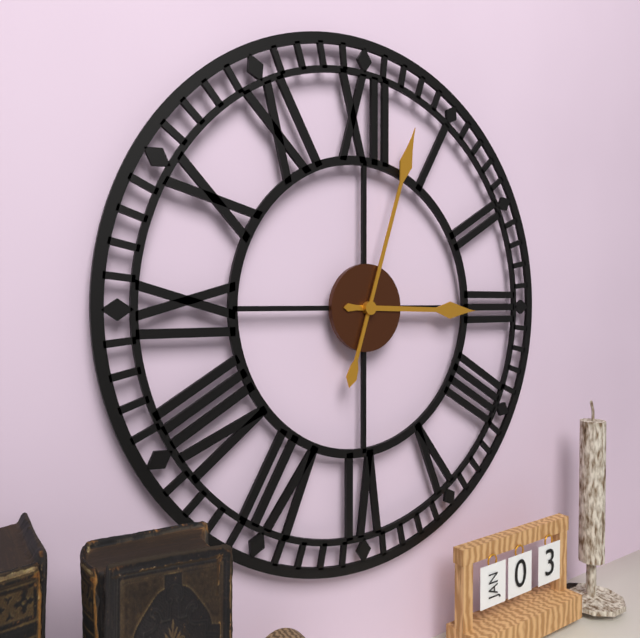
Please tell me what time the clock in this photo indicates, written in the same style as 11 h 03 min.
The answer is 3 h 03 min
